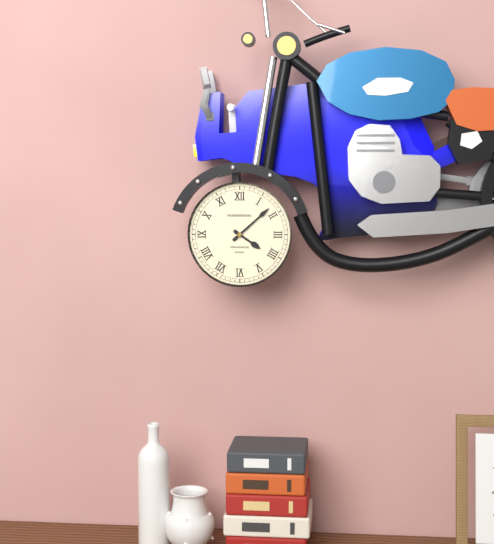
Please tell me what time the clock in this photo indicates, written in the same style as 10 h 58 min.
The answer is 4 h 08 min
